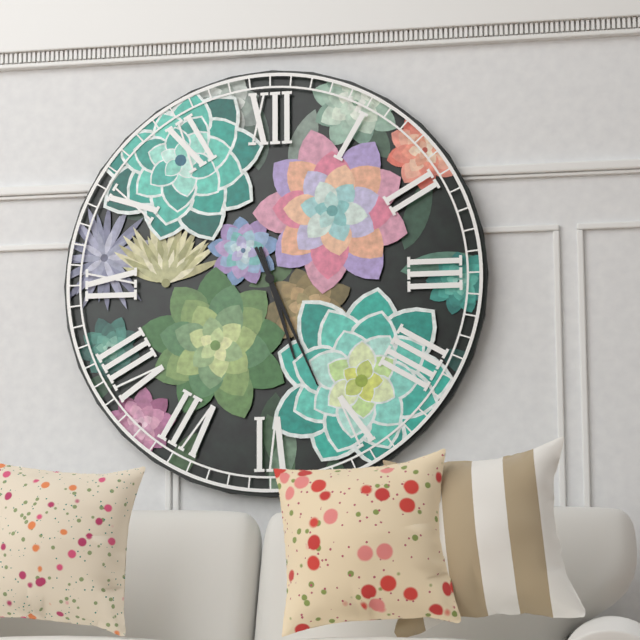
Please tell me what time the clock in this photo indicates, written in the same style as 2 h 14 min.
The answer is 5 h 26 min
